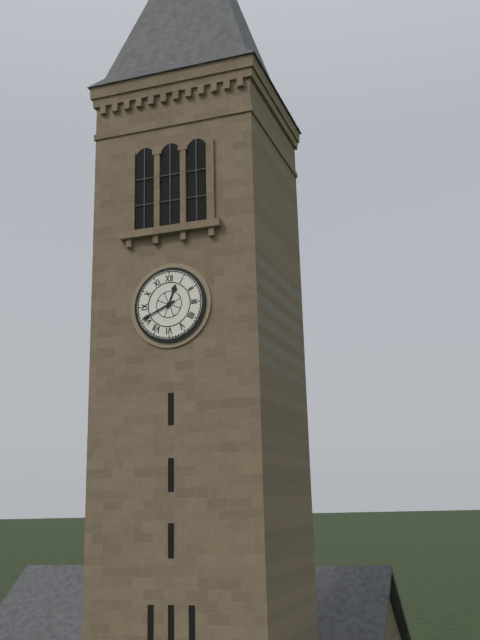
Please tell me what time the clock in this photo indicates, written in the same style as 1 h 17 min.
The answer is 12 h 41 min
